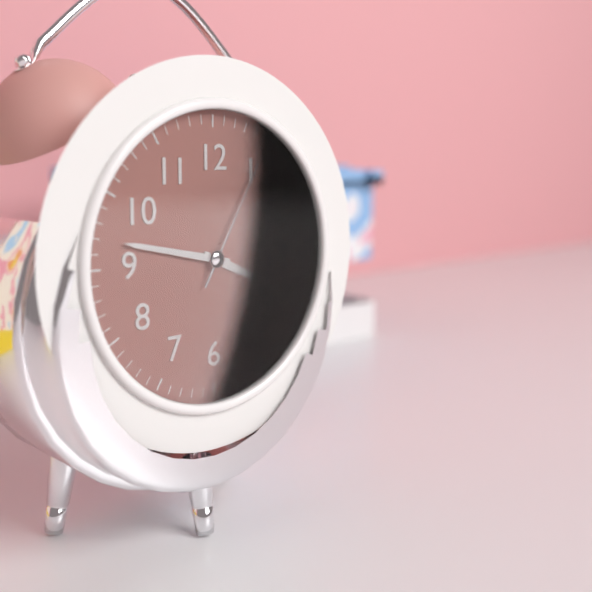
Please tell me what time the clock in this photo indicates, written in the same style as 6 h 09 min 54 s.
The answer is 3 h 47 min 05 s
